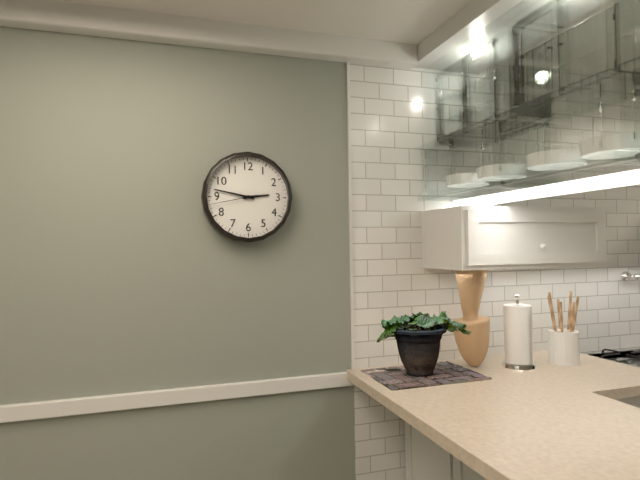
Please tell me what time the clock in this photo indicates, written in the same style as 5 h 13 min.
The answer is 2 h 47 min
